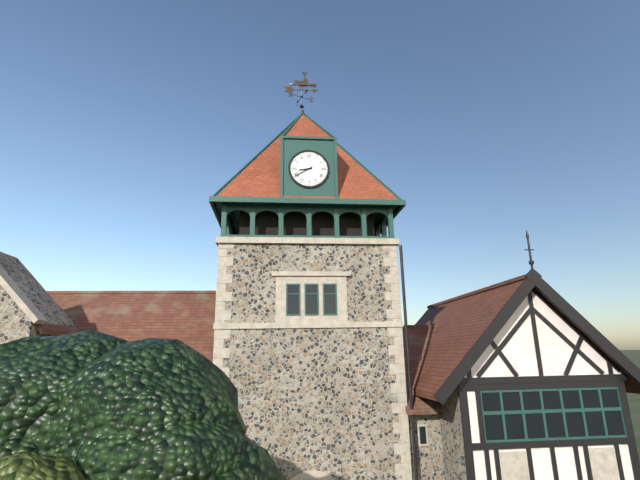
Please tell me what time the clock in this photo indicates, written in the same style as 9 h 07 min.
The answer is 8 h 40 min
